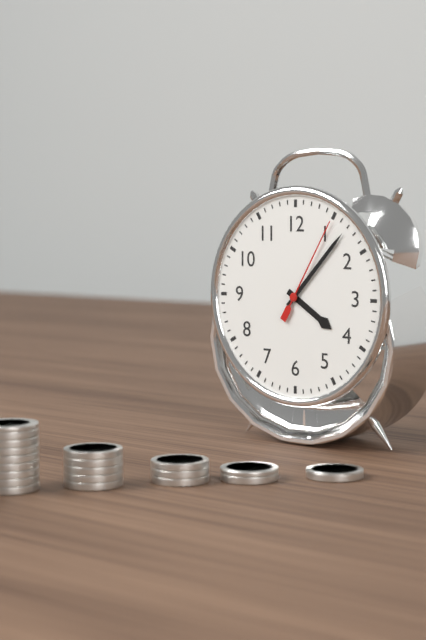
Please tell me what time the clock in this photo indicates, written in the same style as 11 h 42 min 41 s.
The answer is 4 h 07 min 05 s
